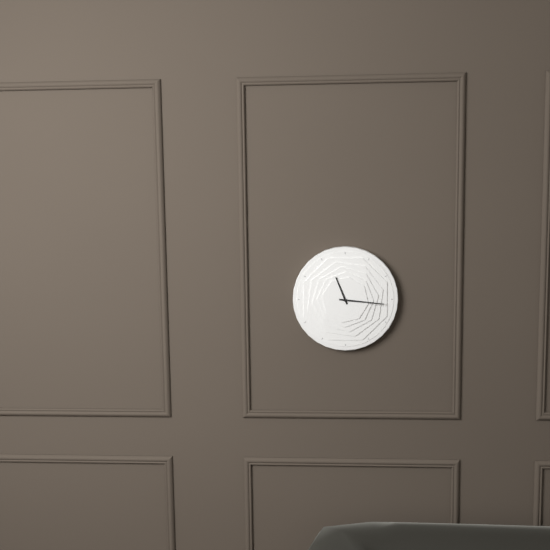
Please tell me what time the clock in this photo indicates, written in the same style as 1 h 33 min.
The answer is 11 h 16 min
